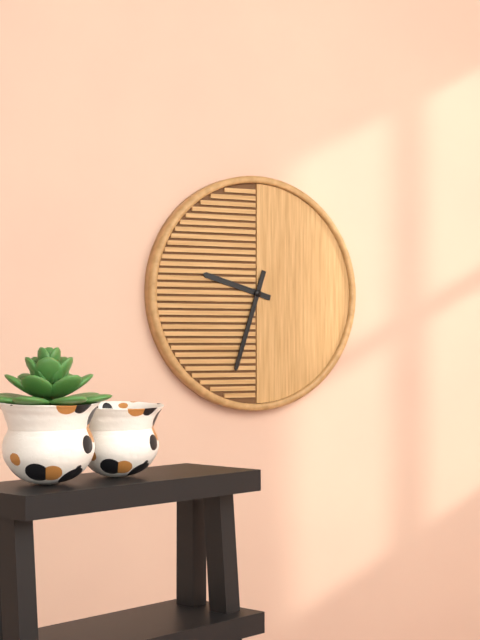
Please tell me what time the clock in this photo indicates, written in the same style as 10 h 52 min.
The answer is 9 h 33 min
